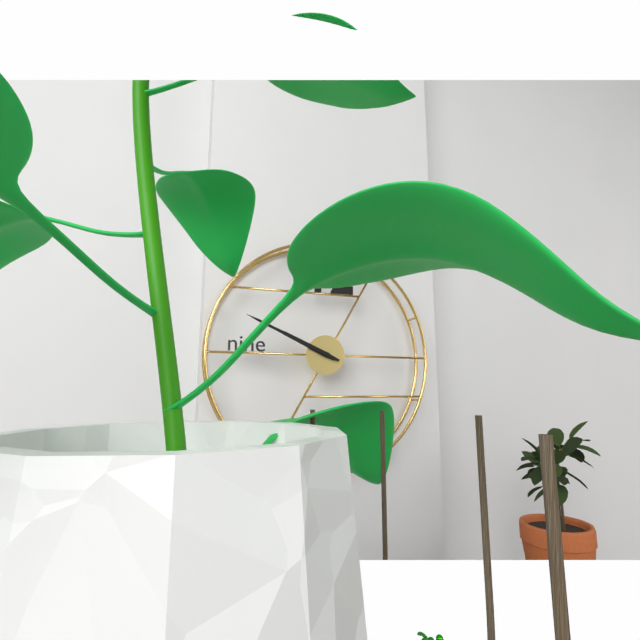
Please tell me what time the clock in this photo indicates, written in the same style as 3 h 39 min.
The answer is 9 h 49 min
